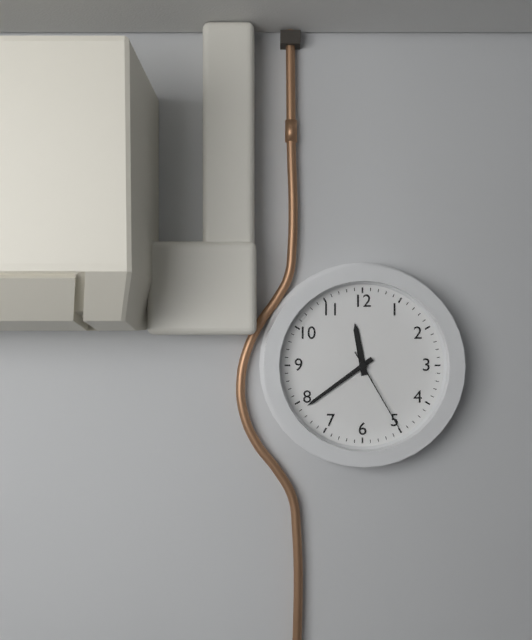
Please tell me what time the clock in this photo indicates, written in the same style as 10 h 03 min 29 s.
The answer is 11 h 39 min 25 s
